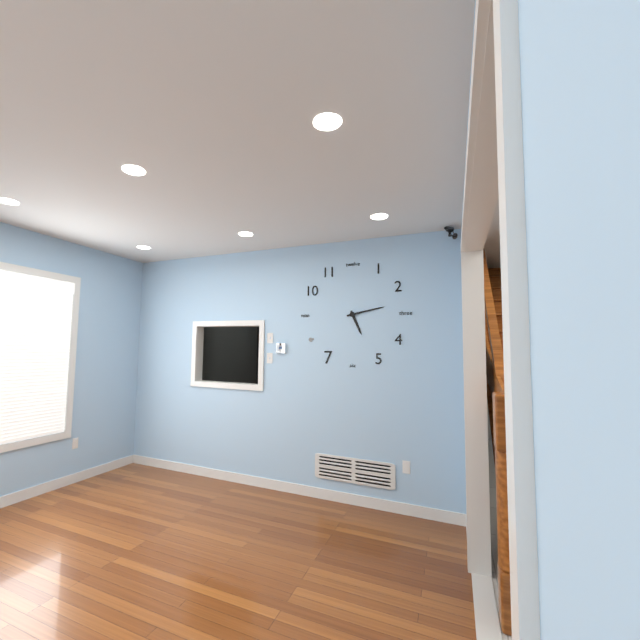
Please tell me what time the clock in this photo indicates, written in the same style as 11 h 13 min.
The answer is 5 h 13 min
